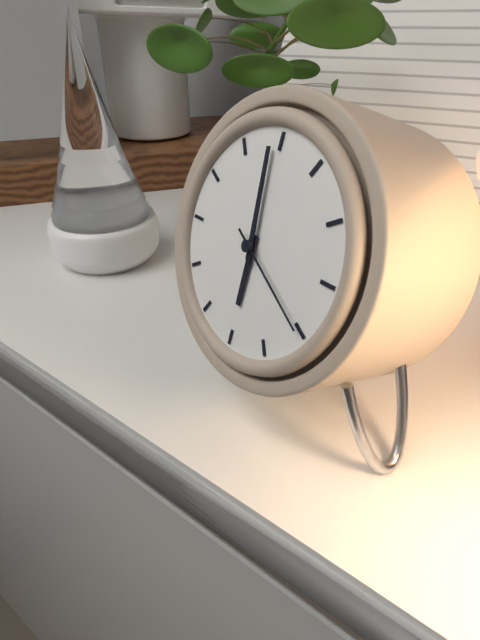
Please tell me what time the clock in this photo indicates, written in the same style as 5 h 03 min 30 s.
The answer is 5 h 59 min 20 s
